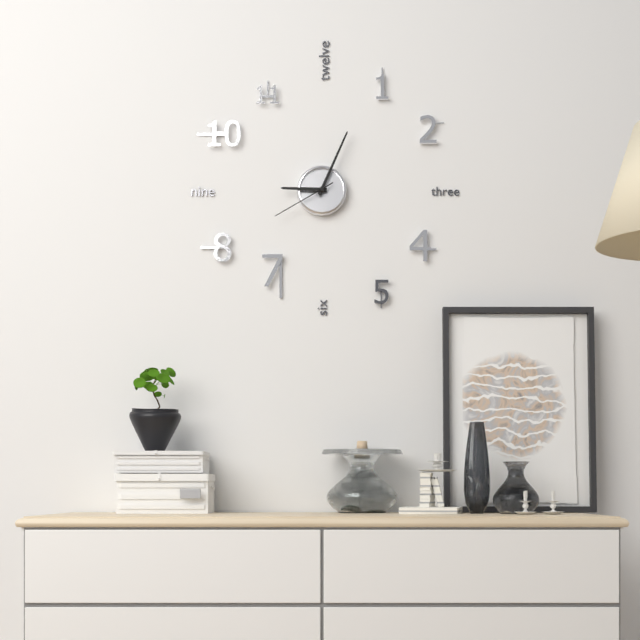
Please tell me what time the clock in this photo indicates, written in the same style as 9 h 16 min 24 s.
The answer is 9 h 04 min 40 s
